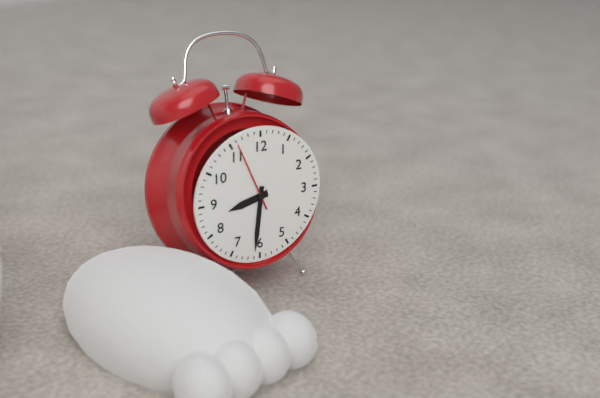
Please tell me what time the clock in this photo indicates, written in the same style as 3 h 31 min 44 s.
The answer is 8 h 31 min 56 s
